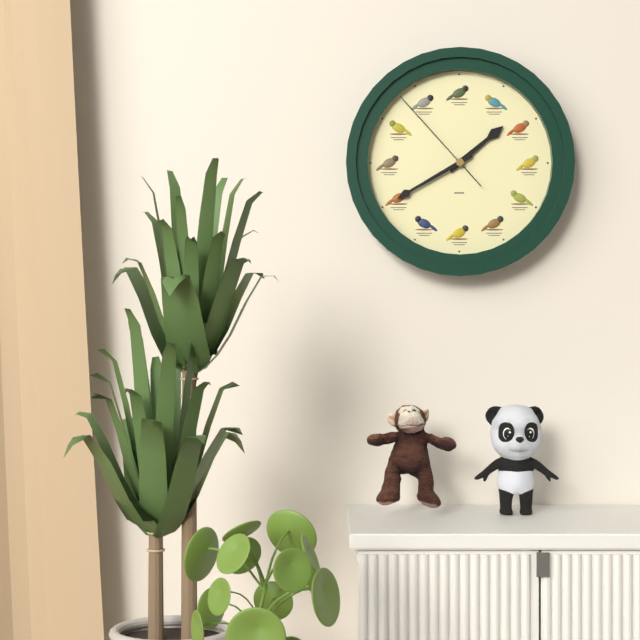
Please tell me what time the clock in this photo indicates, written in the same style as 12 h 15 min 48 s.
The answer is 1 h 40 min 53 s
